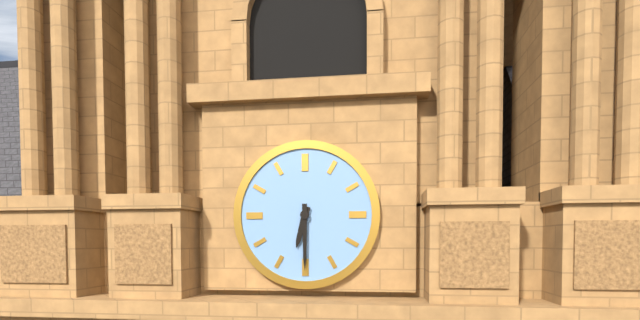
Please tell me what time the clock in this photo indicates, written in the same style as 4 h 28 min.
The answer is 6 h 30 min
